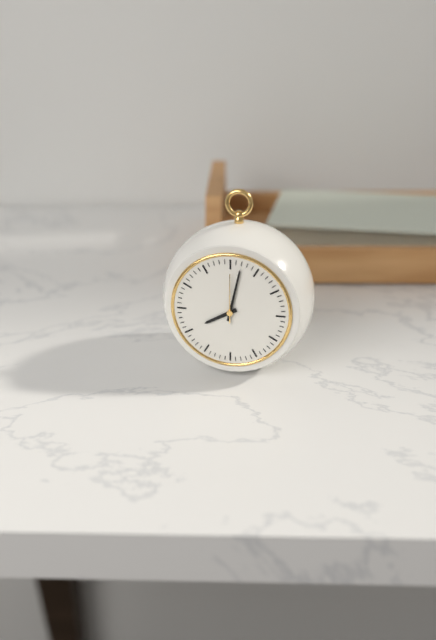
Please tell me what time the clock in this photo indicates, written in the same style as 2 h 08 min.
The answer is 8 h 02 min
